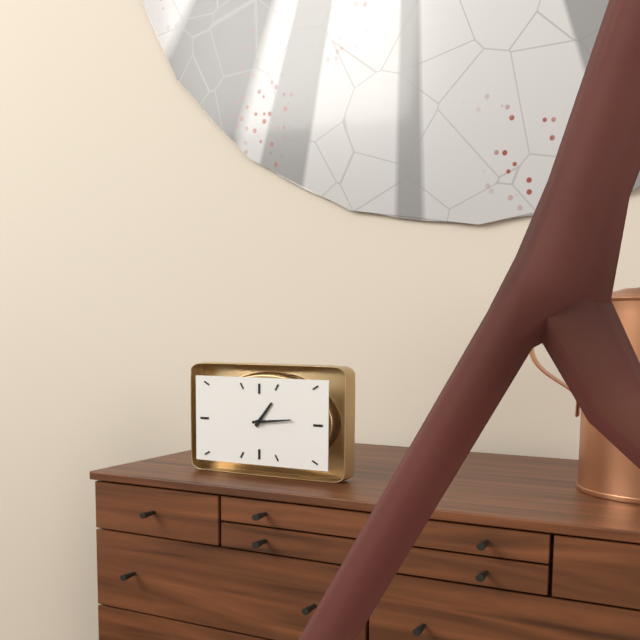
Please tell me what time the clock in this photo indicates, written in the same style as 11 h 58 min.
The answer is 1 h 14 min
